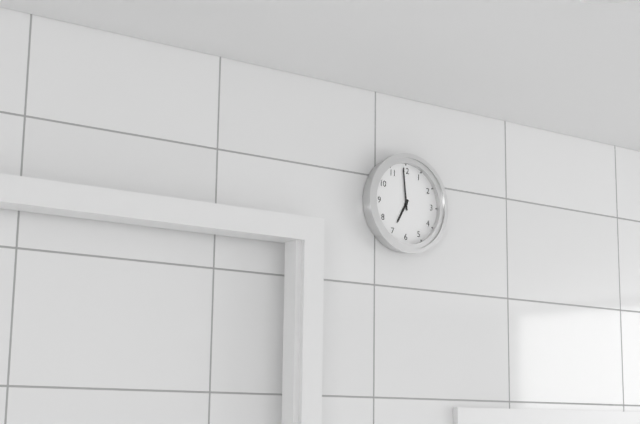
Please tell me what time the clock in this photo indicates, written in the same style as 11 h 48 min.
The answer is 6 h 59 min
